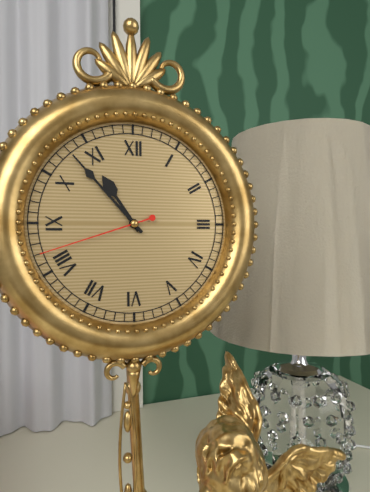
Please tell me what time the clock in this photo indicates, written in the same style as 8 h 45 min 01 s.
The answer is 10 h 53 min 42 s
